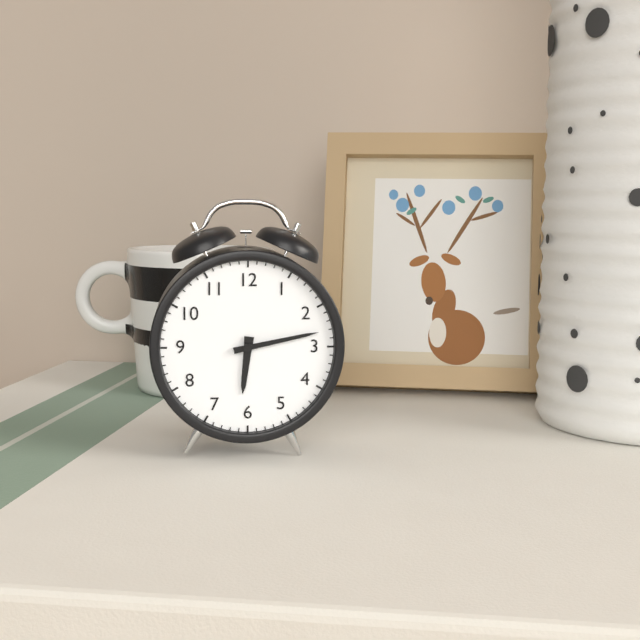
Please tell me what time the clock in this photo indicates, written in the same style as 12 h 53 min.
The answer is 6 h 13 min
